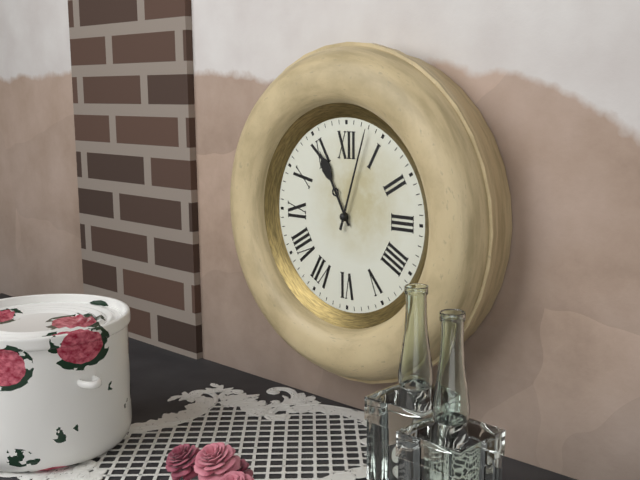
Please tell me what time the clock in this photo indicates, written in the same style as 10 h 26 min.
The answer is 11 h 03 min
